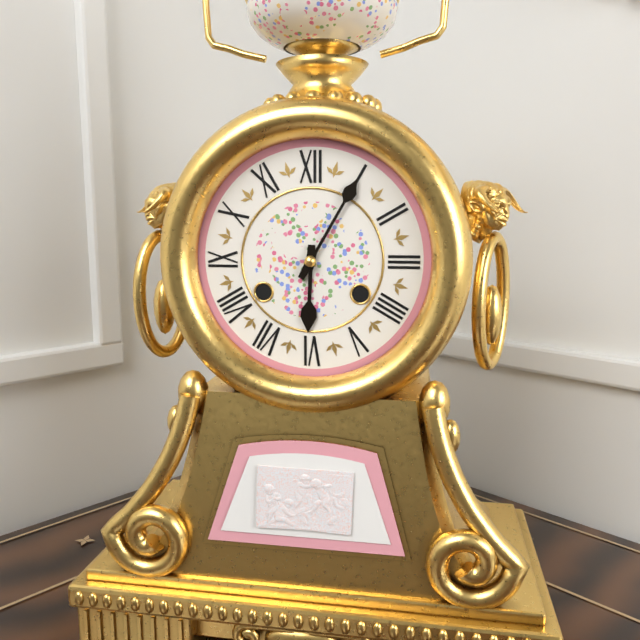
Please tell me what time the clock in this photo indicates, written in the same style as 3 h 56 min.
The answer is 6 h 05 min
